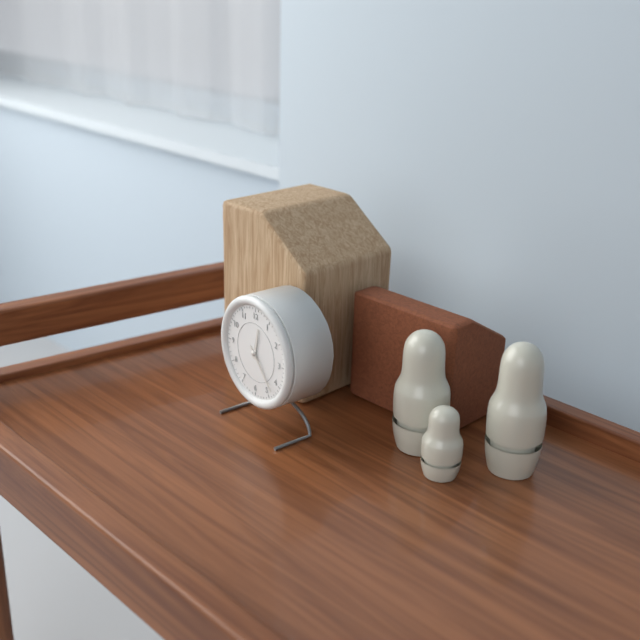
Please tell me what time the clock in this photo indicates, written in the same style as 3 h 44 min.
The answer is 12 h 23 min
